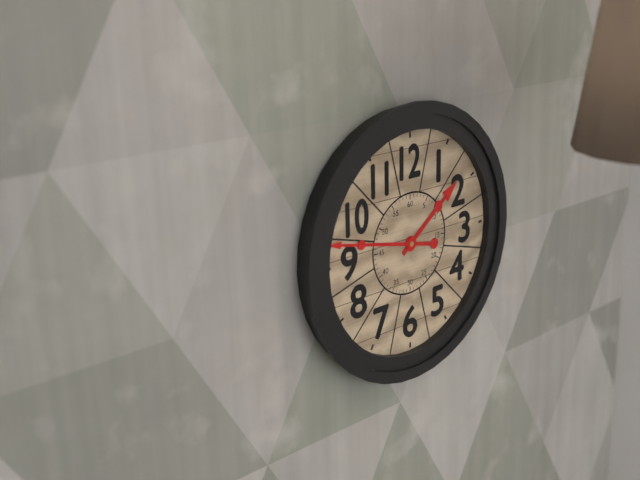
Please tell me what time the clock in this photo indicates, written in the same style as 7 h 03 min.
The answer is 1 h 47 min
